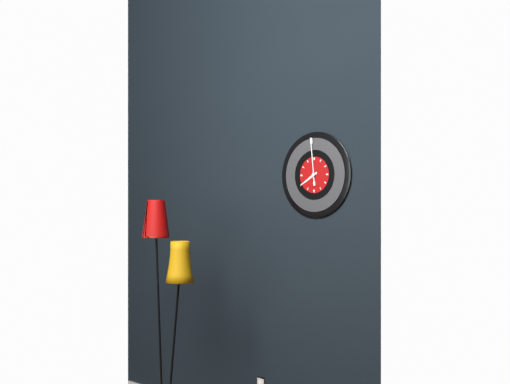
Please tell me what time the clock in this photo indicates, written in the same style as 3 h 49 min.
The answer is 7 h 59 min
